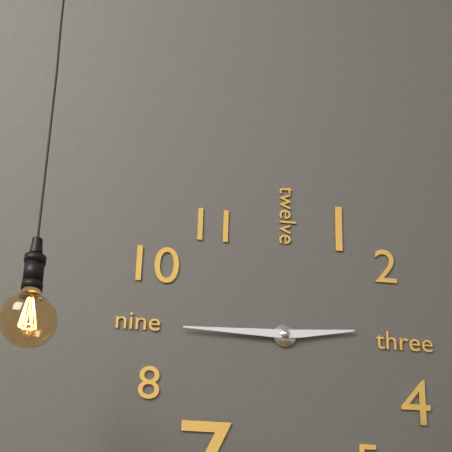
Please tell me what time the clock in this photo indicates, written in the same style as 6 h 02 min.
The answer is 2 h 45 min
